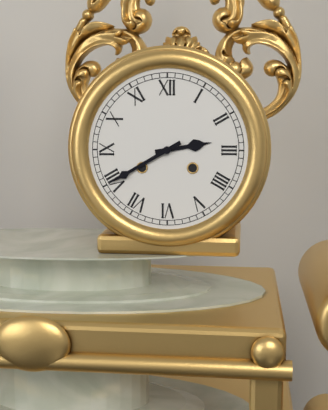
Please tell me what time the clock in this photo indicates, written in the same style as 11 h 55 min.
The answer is 2 h 40 min
